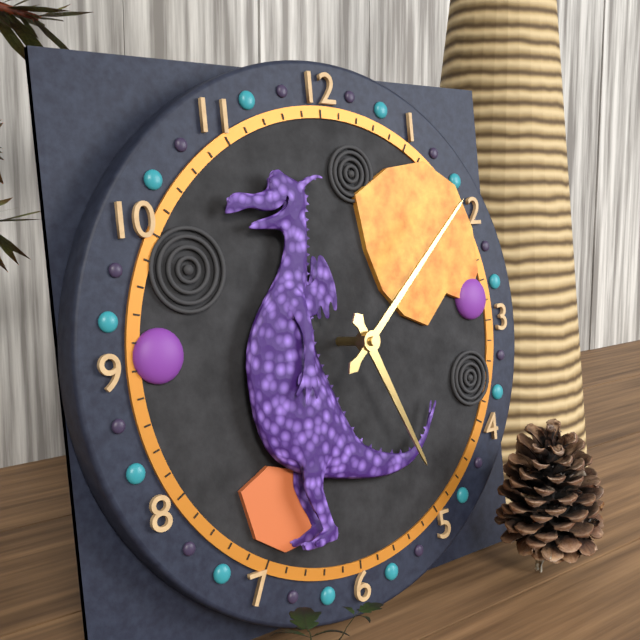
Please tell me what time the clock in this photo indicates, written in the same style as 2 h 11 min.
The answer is 5 h 08 min
